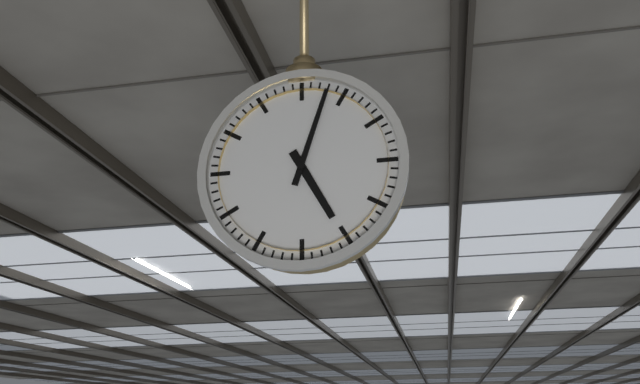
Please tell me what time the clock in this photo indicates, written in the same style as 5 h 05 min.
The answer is 5 h 03 min
